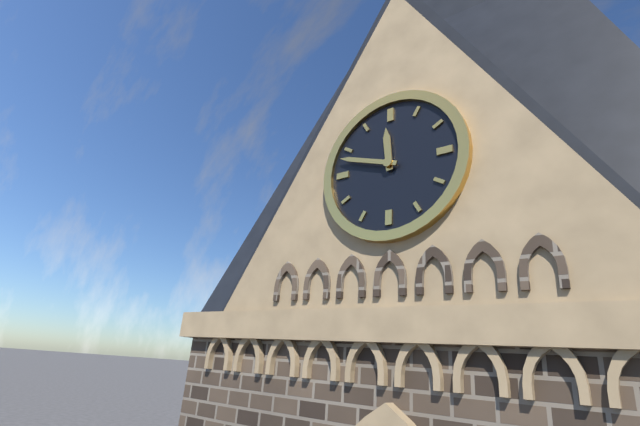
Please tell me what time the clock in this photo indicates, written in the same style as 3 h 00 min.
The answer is 11 h 48 min
